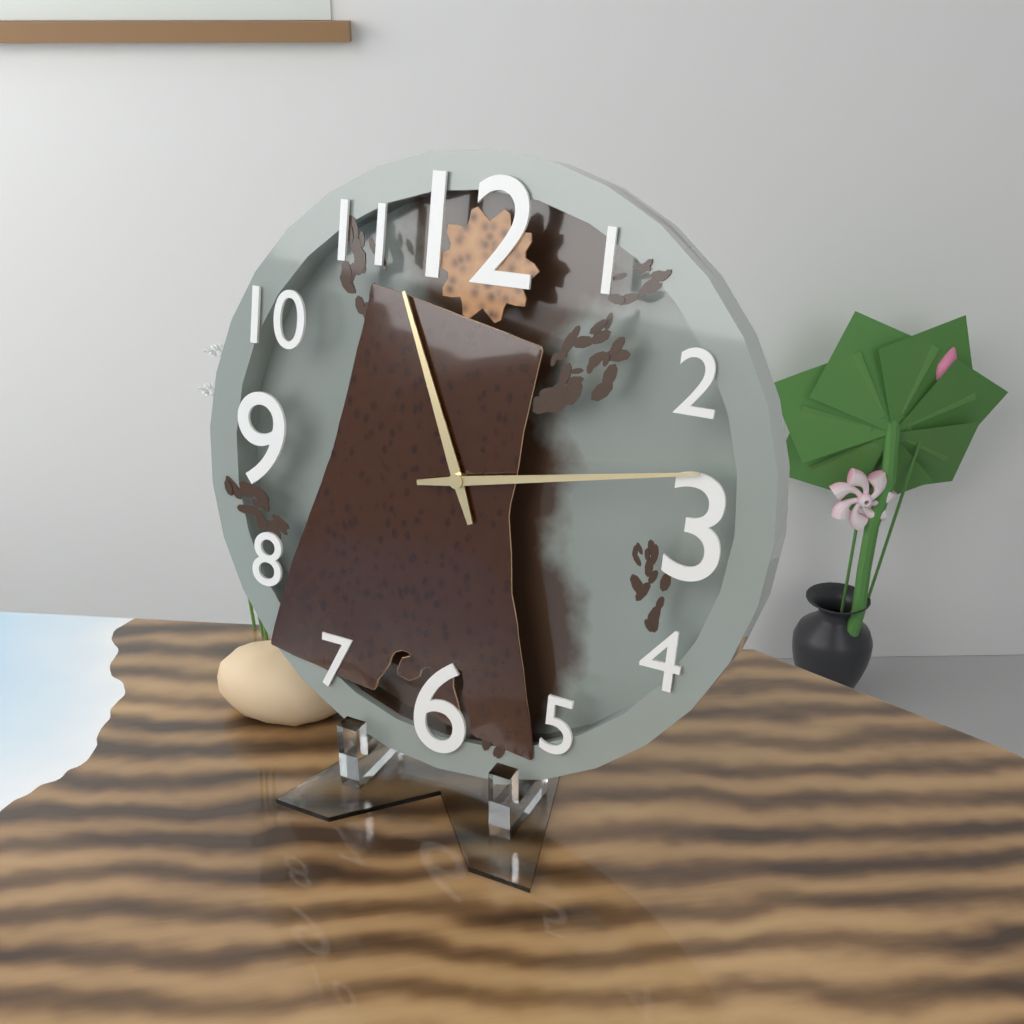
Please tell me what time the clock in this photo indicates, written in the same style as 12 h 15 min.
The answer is 11 h 13 min
